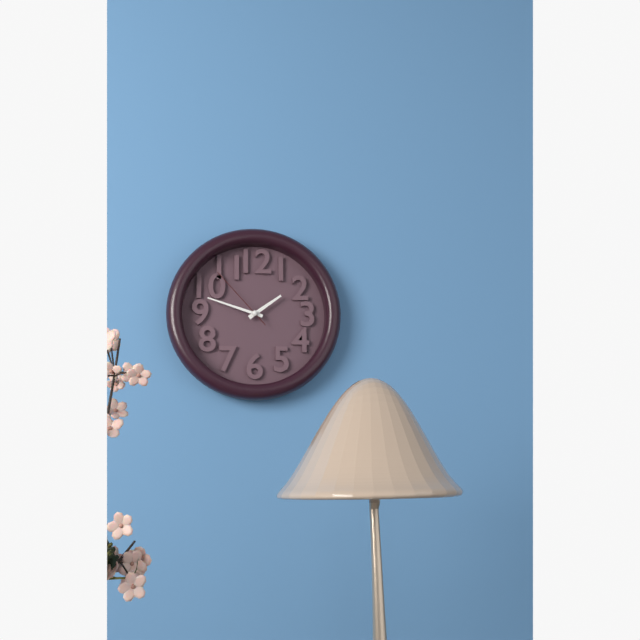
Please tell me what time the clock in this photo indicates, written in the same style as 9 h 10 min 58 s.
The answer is 1 h 48 min 53 s
